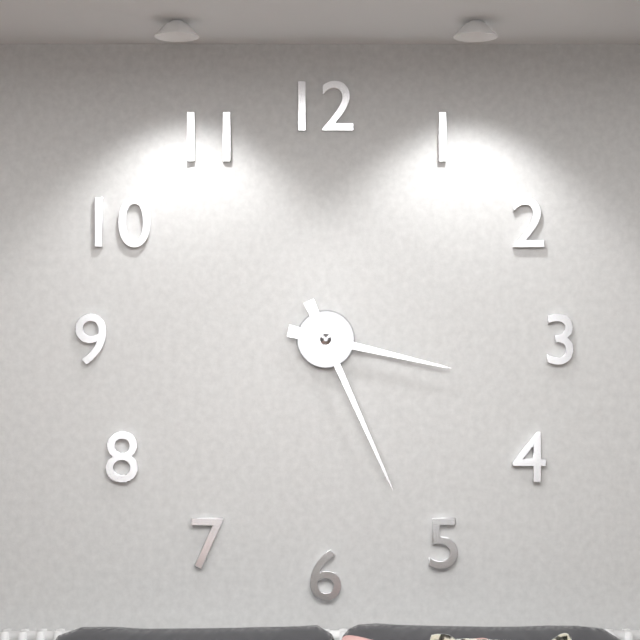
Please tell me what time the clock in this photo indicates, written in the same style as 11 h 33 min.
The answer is 3 h 26 min
